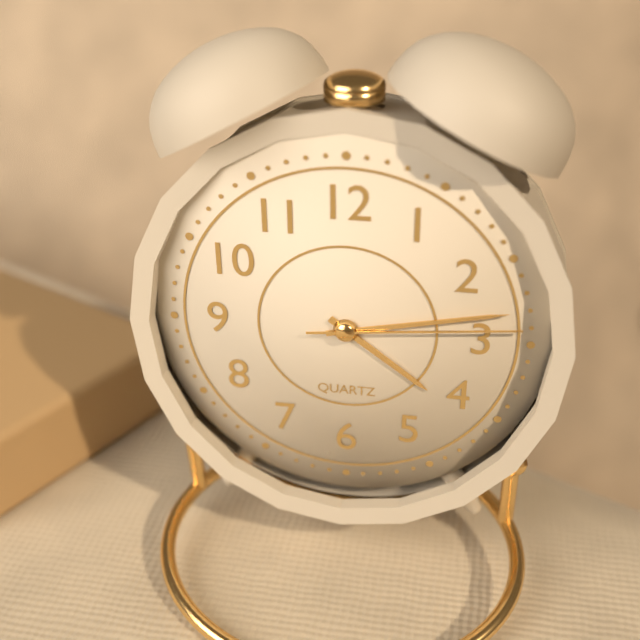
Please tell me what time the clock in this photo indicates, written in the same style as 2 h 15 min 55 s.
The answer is 4 h 13 min 14 s
